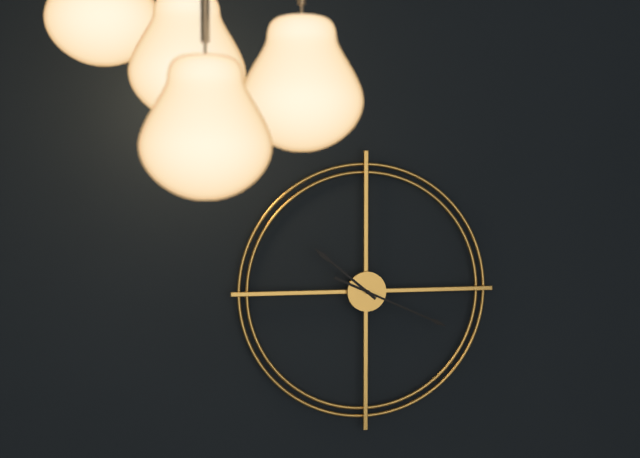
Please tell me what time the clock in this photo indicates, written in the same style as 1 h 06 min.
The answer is 10 h 19 min
